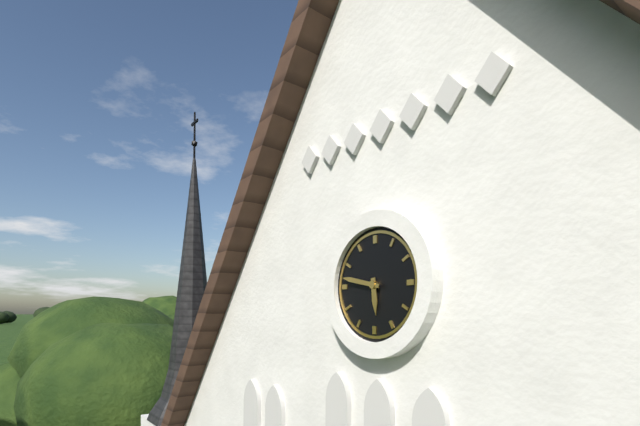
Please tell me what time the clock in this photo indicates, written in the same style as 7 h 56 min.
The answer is 5 h 47 min
